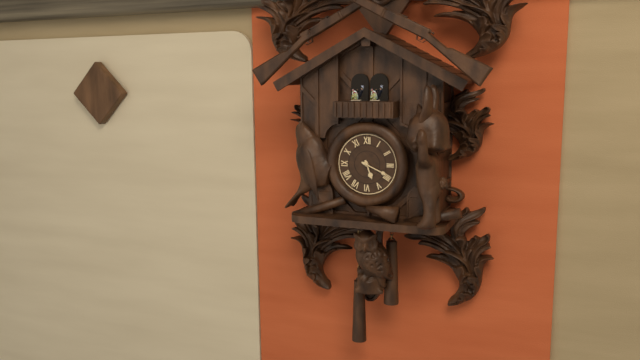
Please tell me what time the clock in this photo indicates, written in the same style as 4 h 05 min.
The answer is 5 h 19 min
